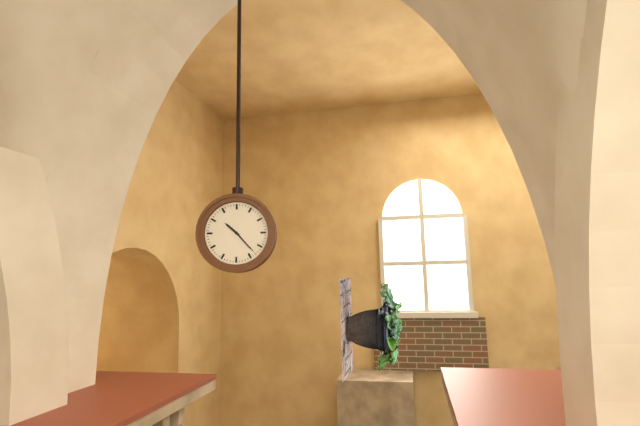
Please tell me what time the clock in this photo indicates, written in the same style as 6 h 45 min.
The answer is 10 h 23 min
